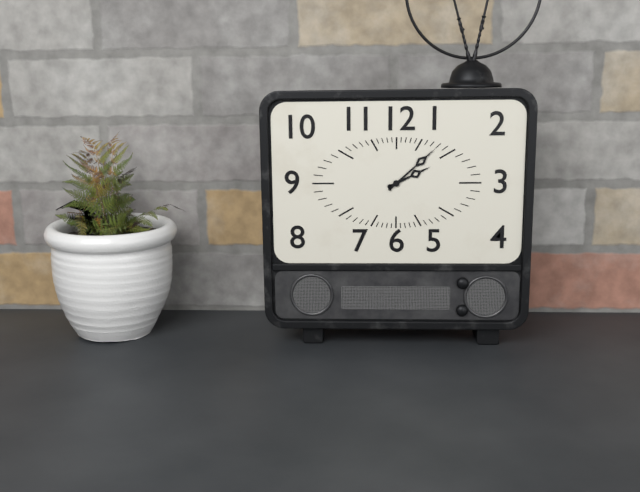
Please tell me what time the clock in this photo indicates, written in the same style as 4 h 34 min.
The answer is 2 h 08 min
